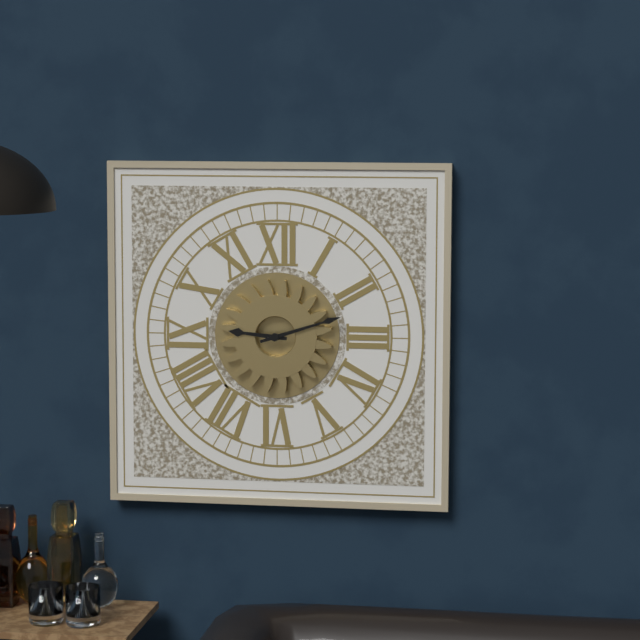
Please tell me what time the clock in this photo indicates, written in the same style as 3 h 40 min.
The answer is 9 h 12 min
